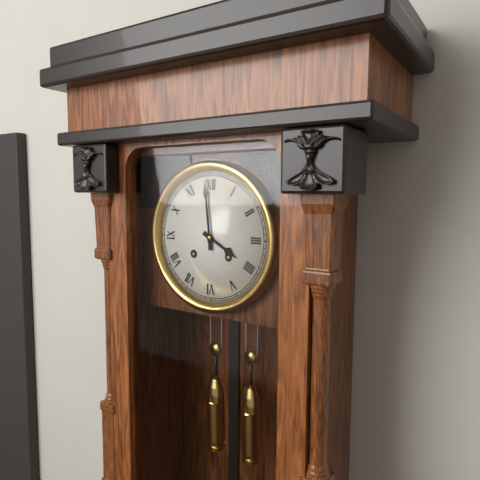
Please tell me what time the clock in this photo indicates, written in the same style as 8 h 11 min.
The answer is 3 h 59 min
